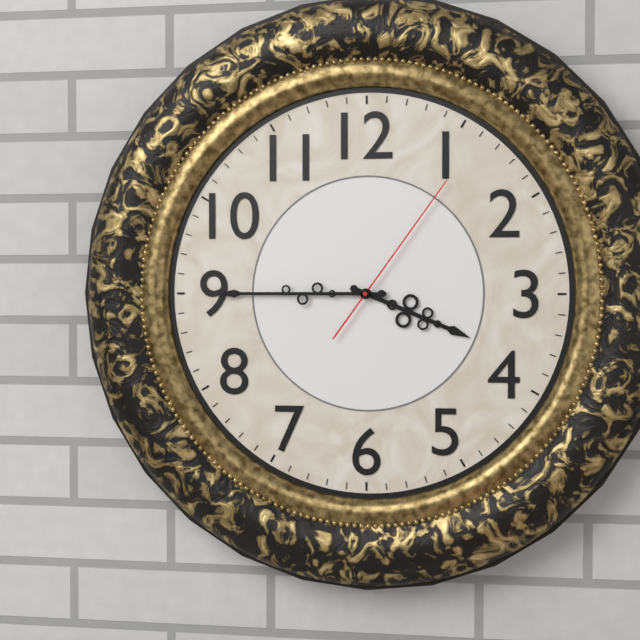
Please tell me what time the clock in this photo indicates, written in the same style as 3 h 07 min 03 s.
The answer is 3 h 45 min 06 s
